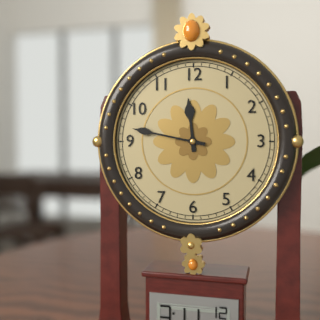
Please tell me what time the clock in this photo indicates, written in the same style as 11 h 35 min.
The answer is 11 h 47 min
